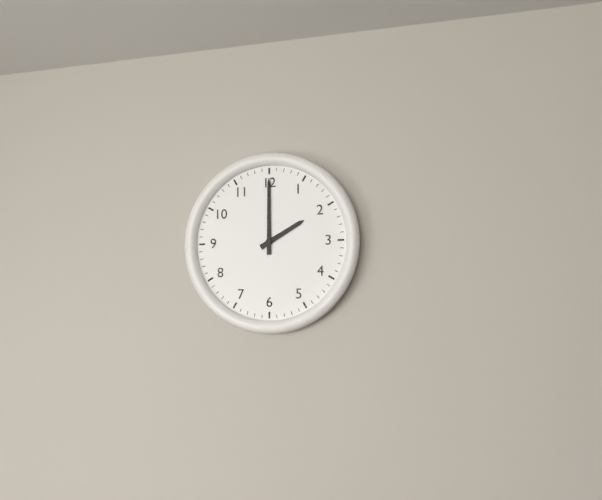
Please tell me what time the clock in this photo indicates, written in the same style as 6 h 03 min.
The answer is 2 h 00 min
